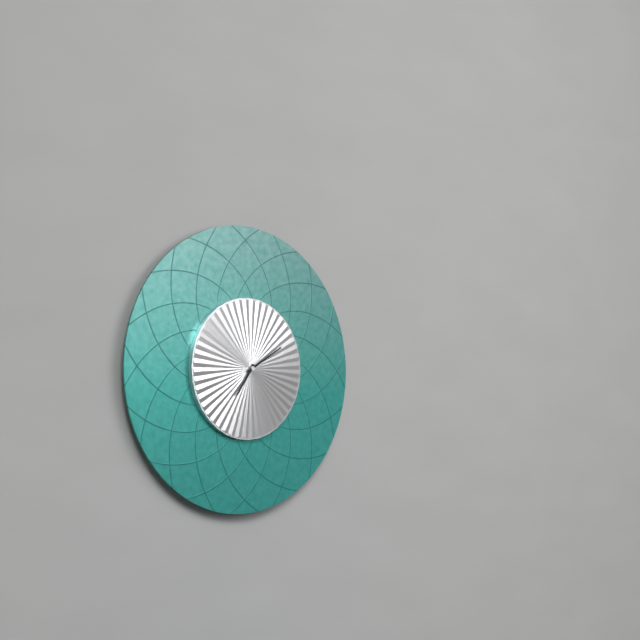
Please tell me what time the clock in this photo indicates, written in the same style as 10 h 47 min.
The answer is 7 h 10 min
